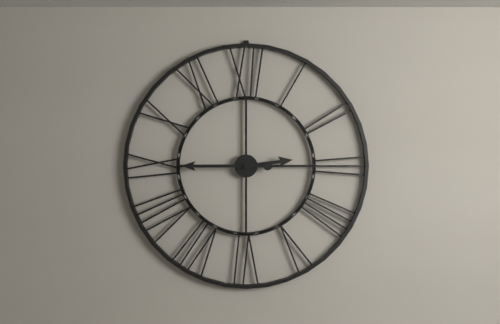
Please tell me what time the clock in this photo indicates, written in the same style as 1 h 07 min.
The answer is 2 h 45 min
